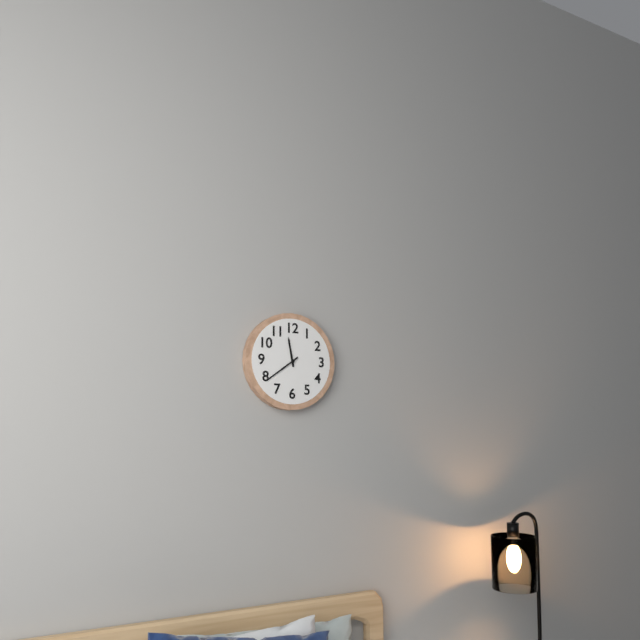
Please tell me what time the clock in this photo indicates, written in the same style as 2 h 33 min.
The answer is 11 h 39 min
